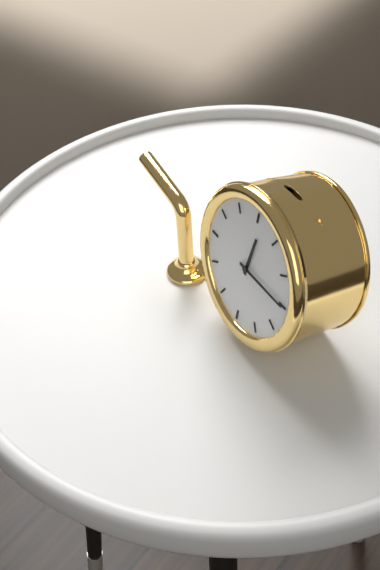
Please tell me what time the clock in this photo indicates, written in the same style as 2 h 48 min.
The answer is 12 h 15 min
